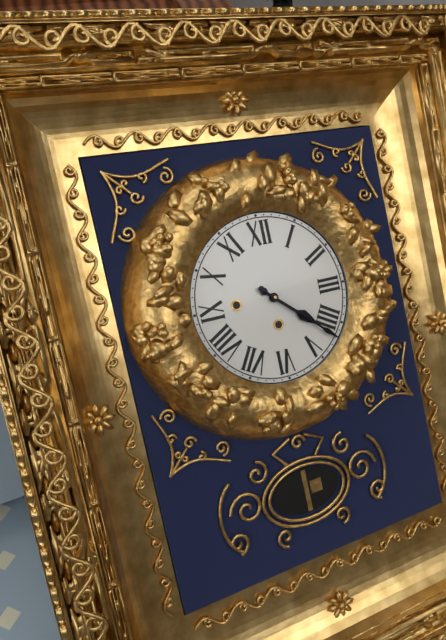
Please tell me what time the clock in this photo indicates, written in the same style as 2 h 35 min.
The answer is 4 h 22 min
